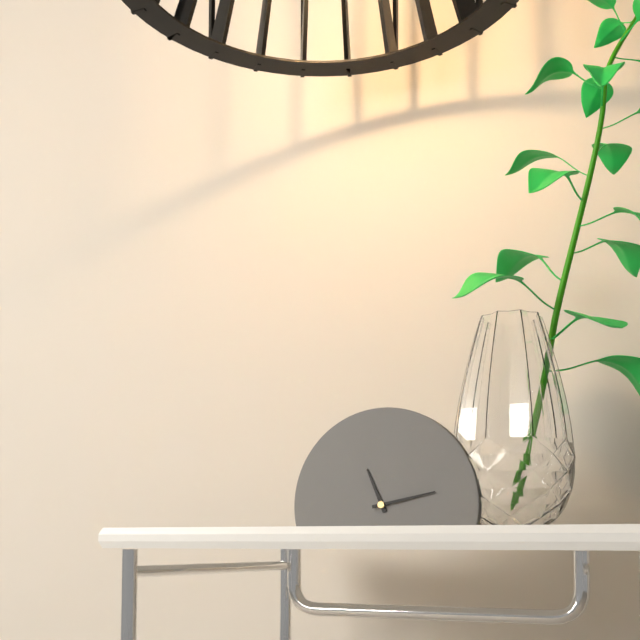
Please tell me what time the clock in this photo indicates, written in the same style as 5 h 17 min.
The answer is 11 h 13 min
